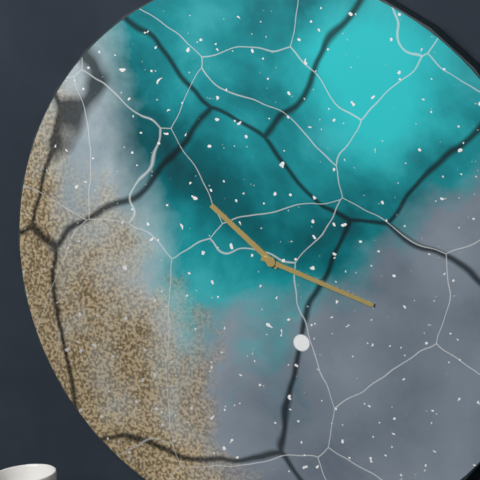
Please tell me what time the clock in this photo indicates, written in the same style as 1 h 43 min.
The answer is 10 h 18 min
